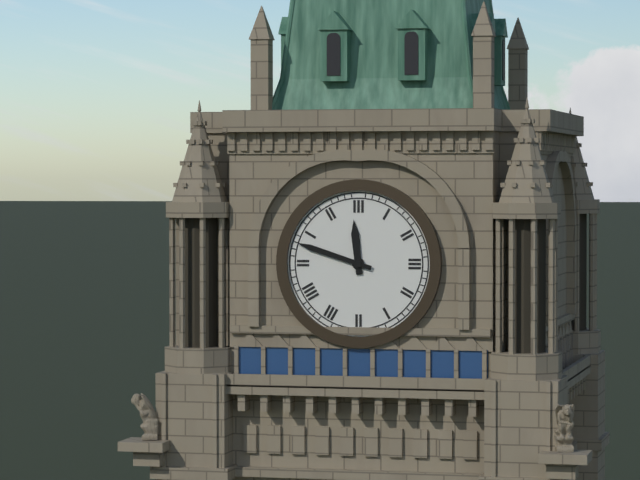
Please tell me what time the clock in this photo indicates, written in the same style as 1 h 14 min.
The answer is 11 h 48 min
